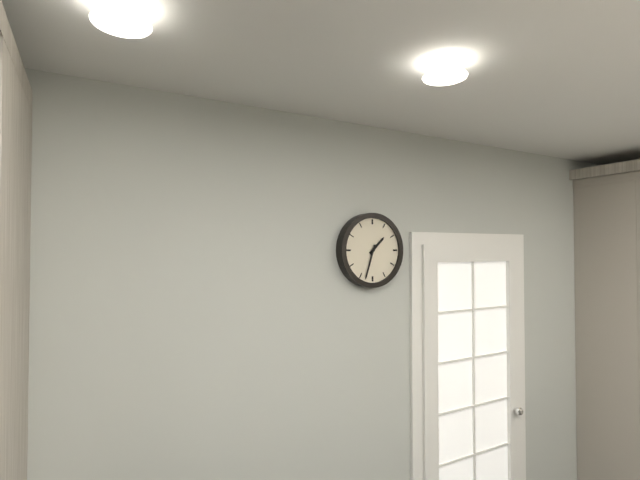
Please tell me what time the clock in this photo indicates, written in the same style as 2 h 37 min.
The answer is 1 h 33 min
